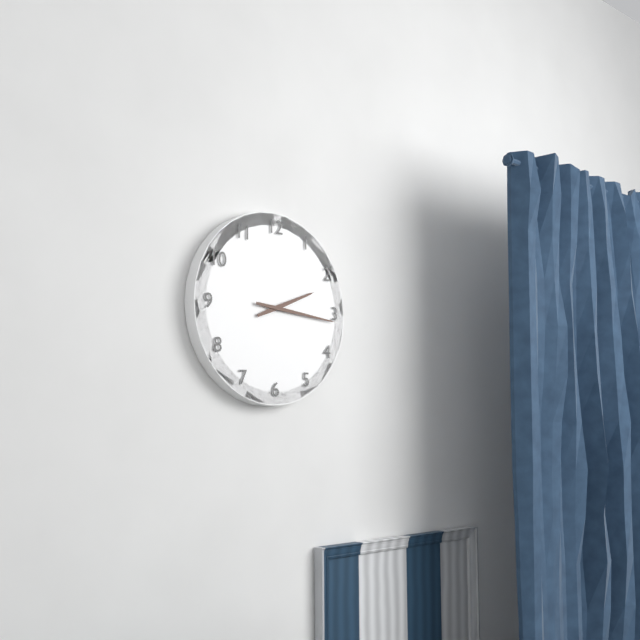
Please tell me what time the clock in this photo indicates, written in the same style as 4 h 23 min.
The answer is 2 h 16 min
